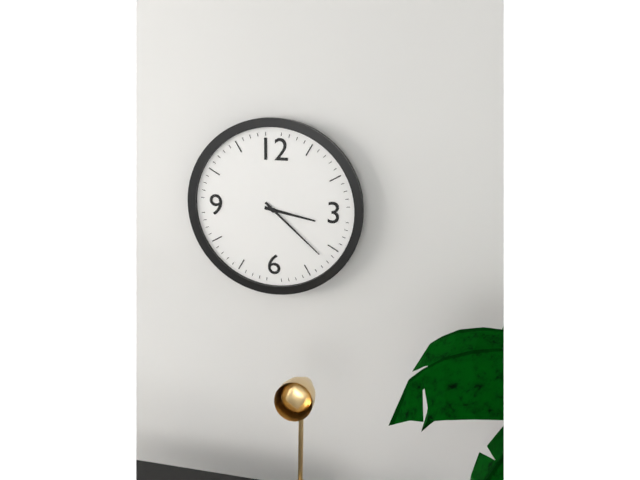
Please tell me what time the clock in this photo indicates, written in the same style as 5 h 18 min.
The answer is 3 h 22 min
